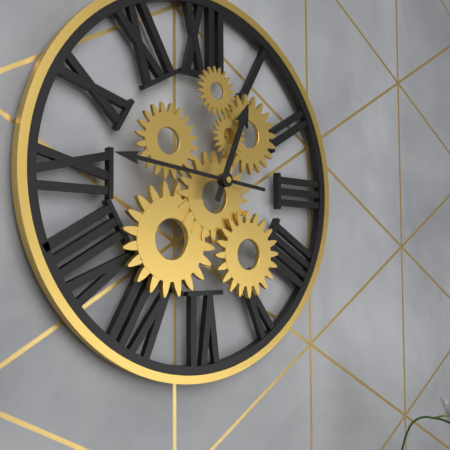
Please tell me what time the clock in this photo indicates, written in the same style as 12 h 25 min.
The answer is 12 h 46 min
